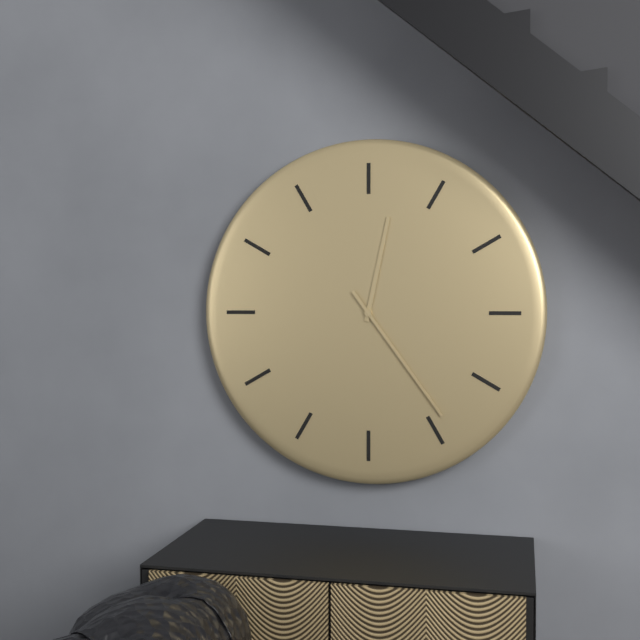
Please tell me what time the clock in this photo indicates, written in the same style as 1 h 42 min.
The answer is 12 h 24 min
